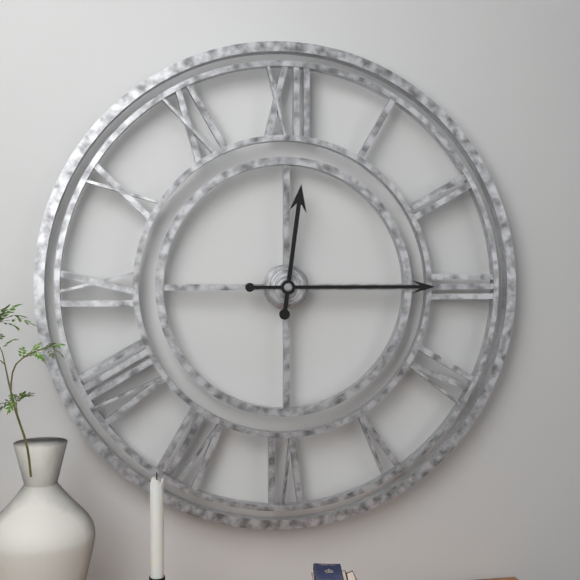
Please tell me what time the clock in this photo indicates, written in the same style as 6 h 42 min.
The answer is 12 h 15 min
